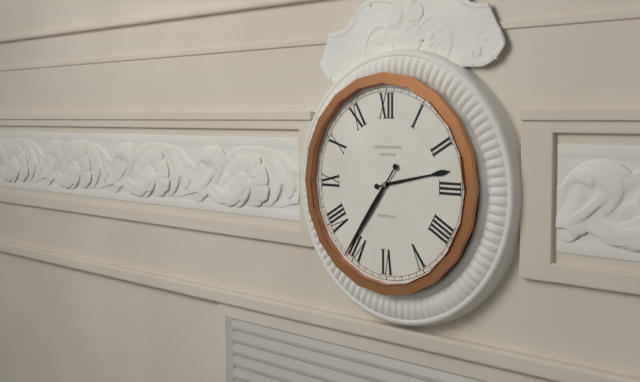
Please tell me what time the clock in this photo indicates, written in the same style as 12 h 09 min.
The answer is 2 h 36 min
